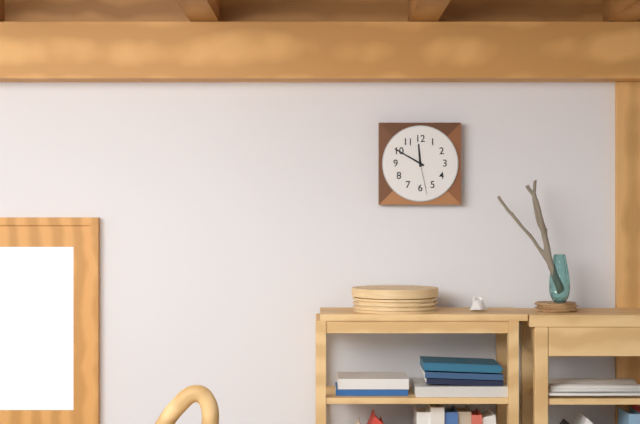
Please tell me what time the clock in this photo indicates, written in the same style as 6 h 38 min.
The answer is 11 h 50 min
